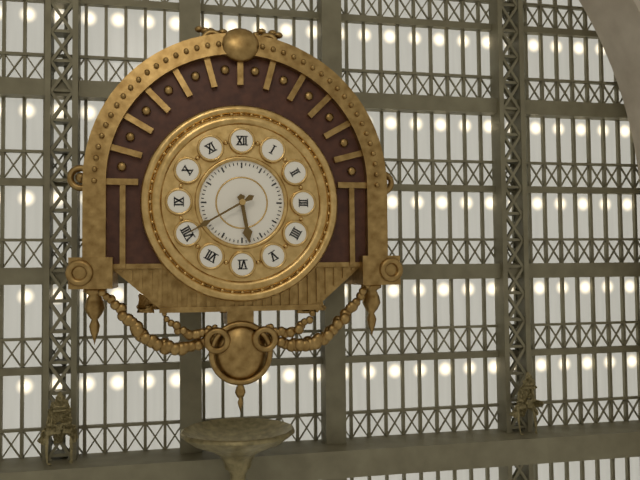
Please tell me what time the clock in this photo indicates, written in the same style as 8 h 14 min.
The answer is 5 h 40 min
